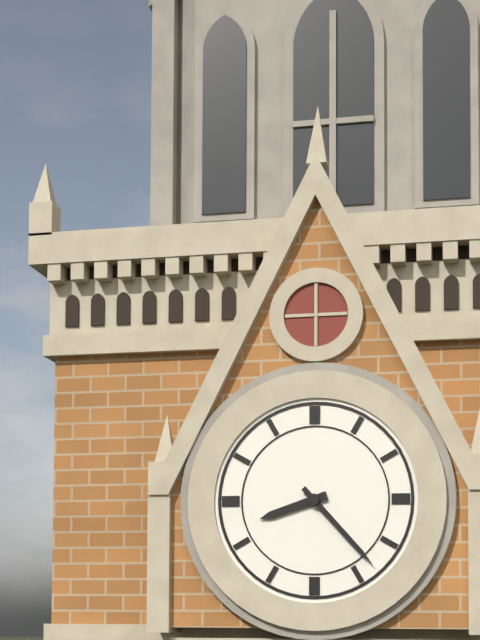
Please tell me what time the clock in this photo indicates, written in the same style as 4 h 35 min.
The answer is 8 h 23 min
